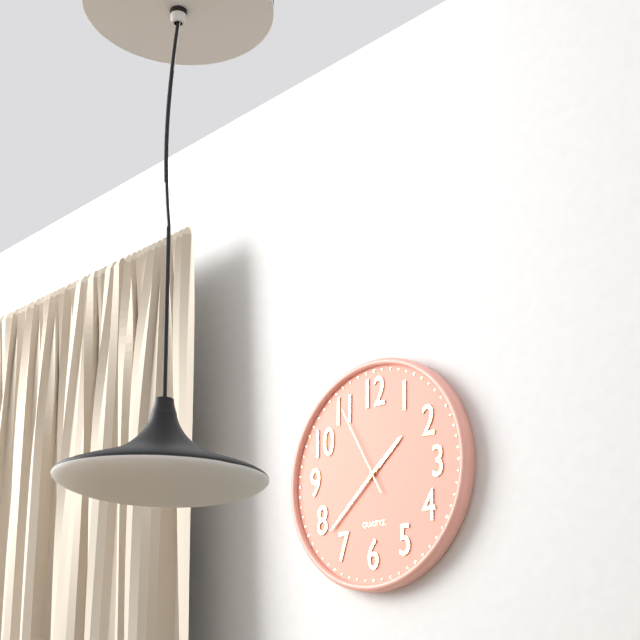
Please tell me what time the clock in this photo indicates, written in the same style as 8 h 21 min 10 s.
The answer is 1 h 38 min 55 s
